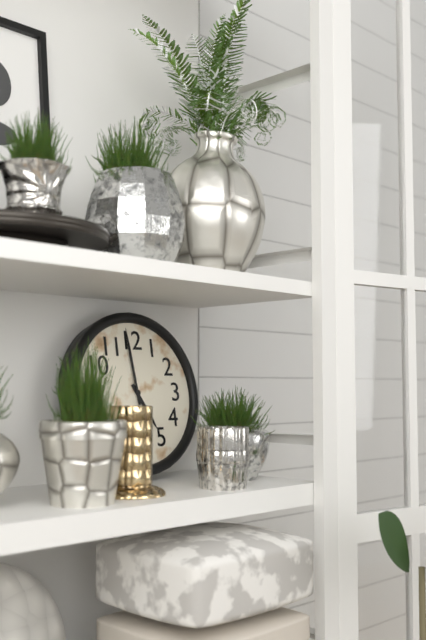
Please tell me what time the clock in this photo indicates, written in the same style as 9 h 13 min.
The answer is 4 h 59 min
